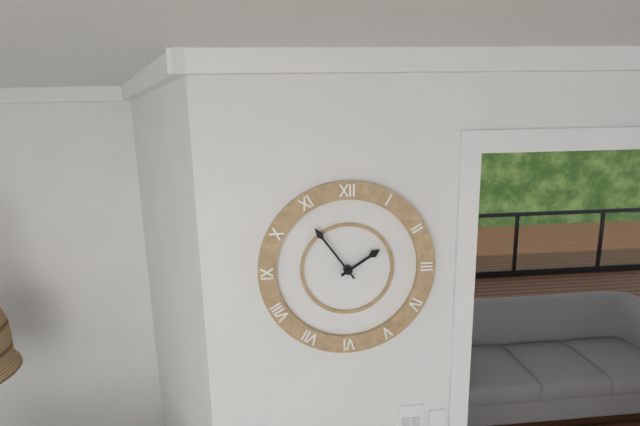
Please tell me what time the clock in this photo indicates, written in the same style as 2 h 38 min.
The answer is 1 h 54 min
